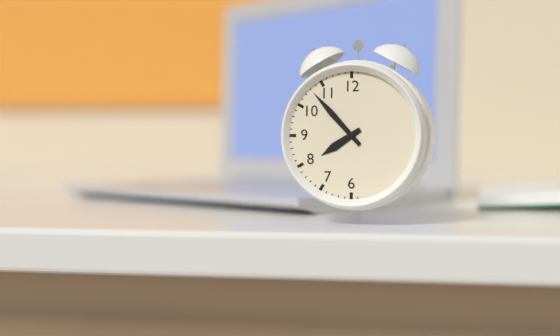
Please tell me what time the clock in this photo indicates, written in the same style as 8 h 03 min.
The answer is 7 h 53 min
